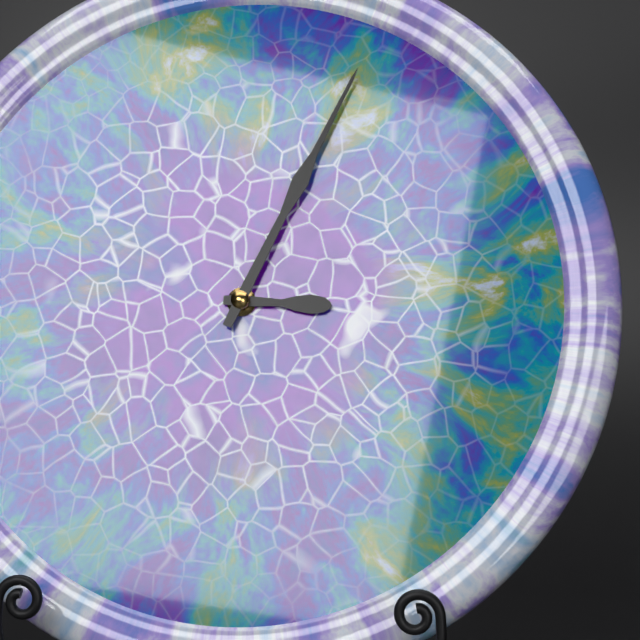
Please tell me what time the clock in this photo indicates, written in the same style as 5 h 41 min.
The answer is 3 h 04 min
